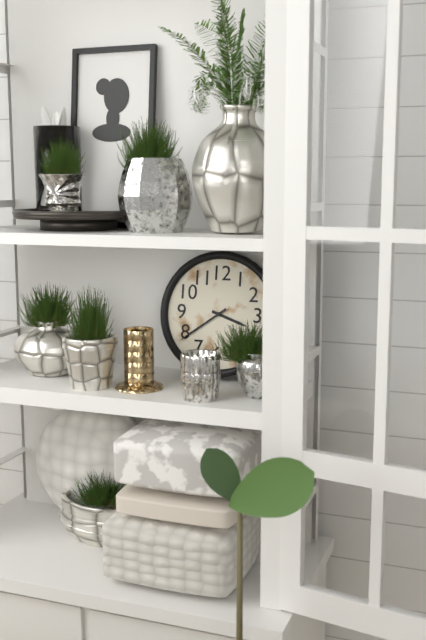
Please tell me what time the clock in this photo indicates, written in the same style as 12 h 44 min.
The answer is 3 h 39 min
